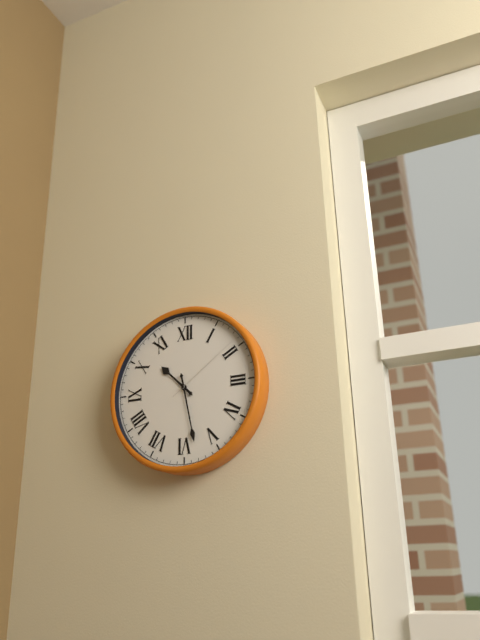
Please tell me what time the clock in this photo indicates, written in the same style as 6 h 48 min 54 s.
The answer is 10 h 28 min 09 s
